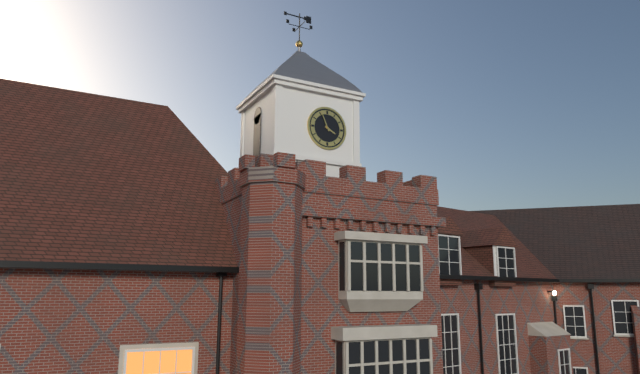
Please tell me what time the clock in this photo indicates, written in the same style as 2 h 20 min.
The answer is 3 h 56 min
